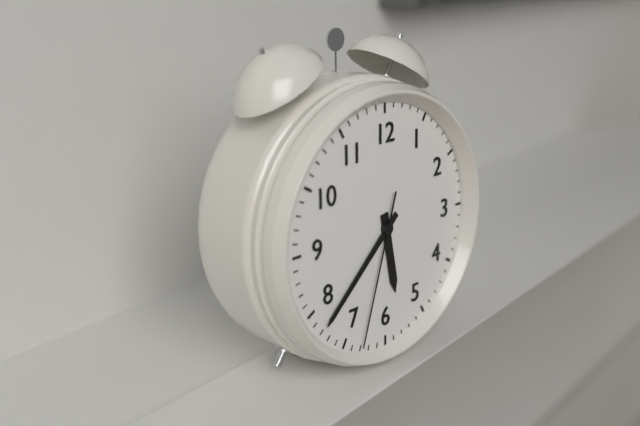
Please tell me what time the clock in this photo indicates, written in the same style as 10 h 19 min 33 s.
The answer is 5 h 38 min 33 s
